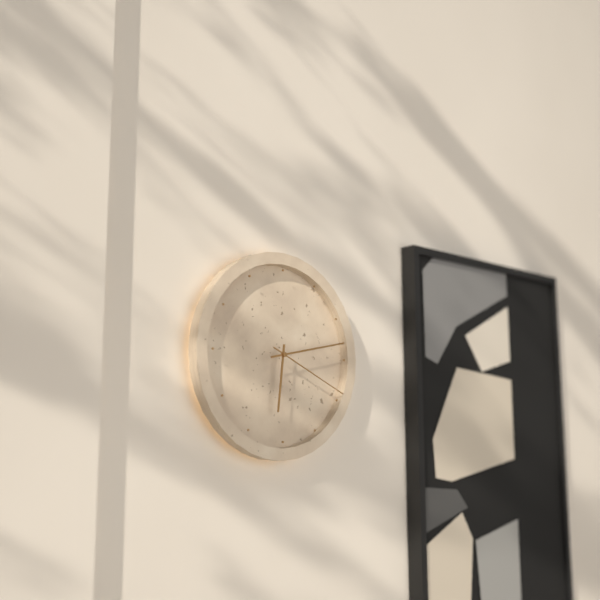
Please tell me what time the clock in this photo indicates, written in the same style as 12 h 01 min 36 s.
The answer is 6 h 13 min 19 s
